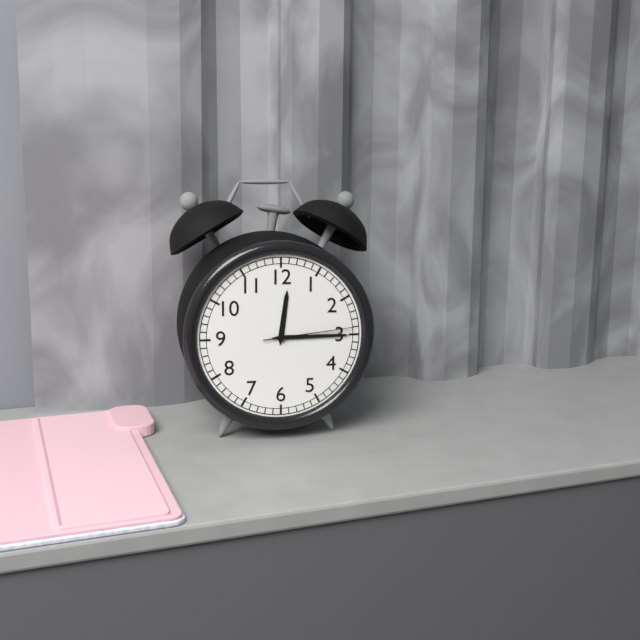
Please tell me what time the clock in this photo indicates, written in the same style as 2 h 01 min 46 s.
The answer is 12 h 15 min 14 s
